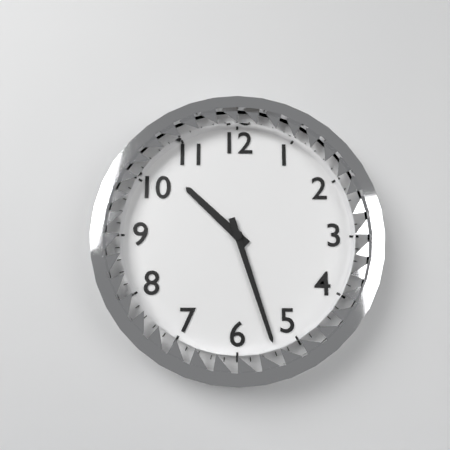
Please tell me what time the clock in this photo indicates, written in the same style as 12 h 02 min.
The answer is 10 h 27 min
